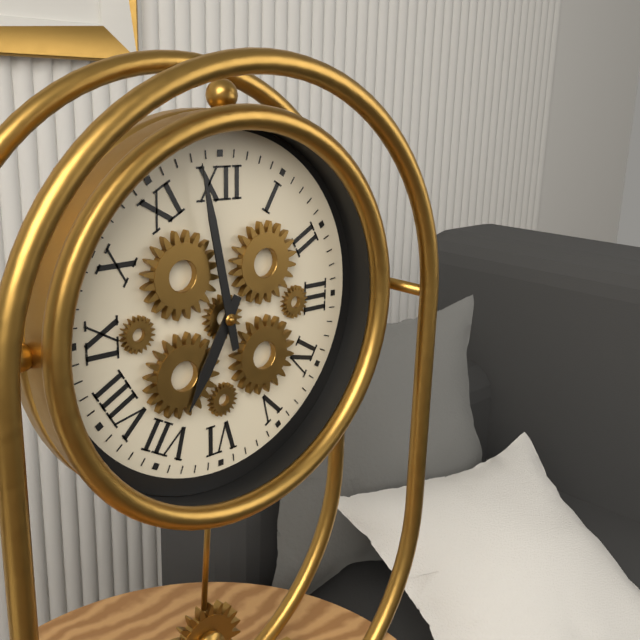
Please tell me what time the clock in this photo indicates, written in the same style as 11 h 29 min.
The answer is 6 h 58 min
